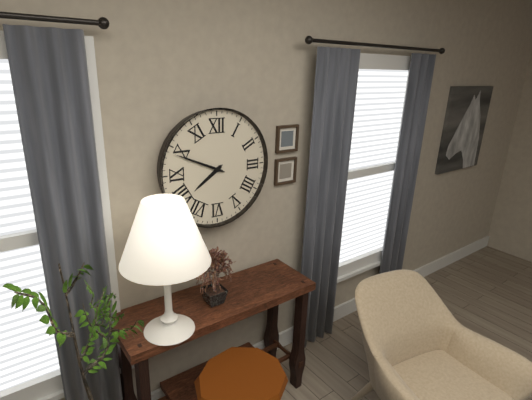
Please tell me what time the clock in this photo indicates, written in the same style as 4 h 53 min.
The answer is 7 h 49 min
